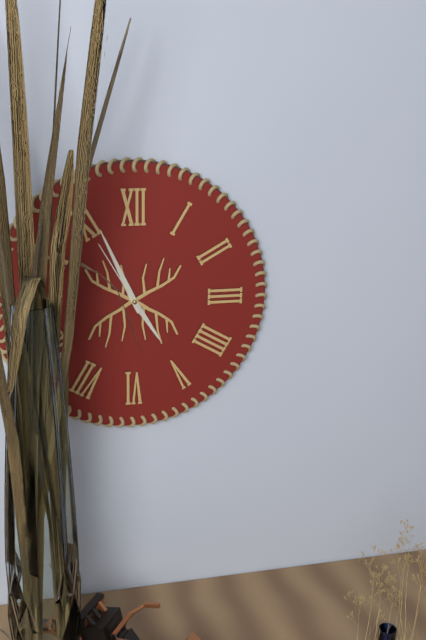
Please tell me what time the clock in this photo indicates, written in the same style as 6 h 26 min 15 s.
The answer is 4 h 56 min 55 s
